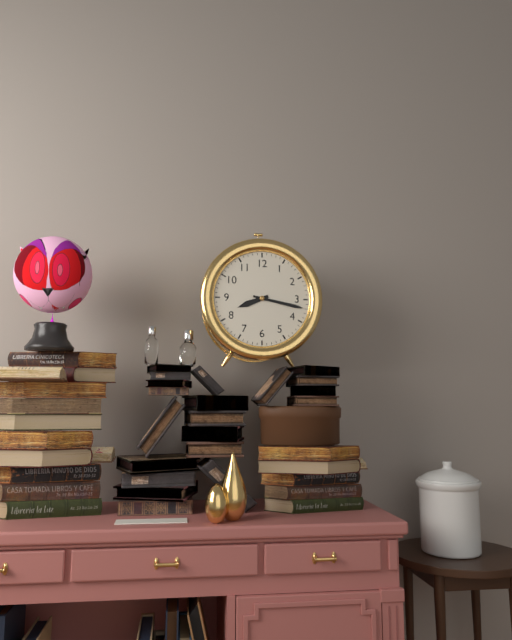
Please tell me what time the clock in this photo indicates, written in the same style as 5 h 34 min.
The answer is 8 h 17 min
